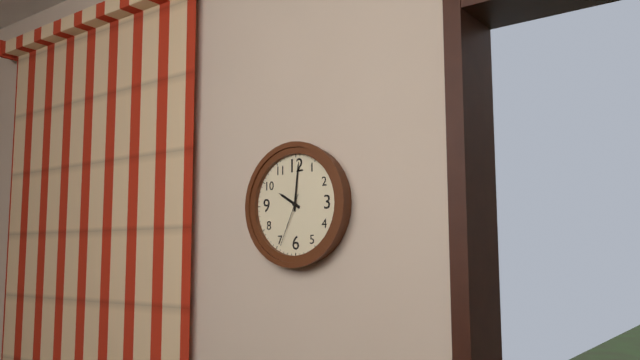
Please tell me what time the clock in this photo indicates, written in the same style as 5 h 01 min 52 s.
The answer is 10 h 01 min 34 s
